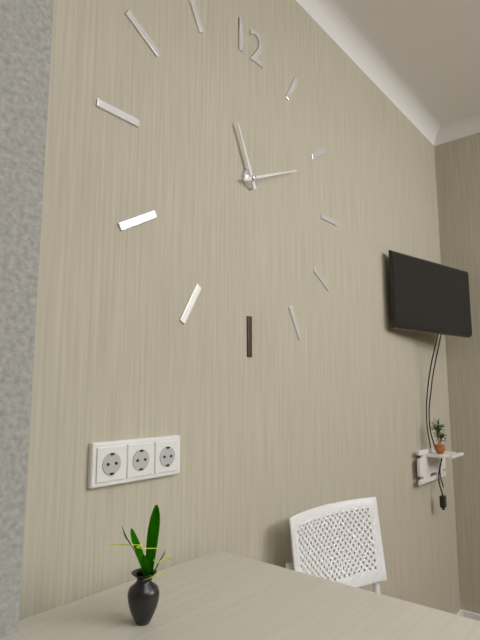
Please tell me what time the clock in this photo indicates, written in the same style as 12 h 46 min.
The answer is 11 h 11 min
